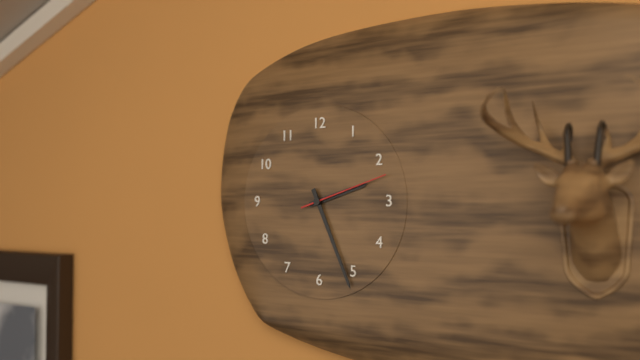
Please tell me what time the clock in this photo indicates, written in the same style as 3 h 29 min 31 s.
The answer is 2 h 26 min 12 s
